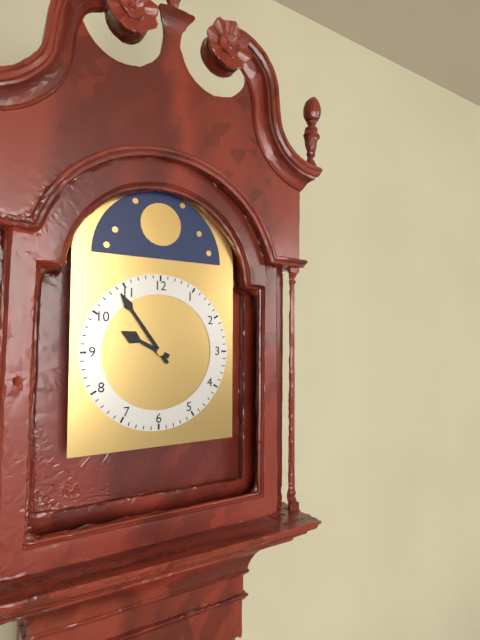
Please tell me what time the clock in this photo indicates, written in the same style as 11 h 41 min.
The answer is 9 h 54 min
